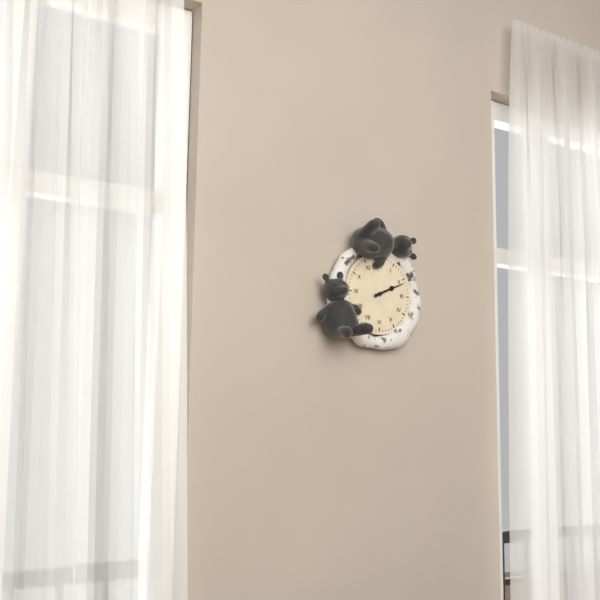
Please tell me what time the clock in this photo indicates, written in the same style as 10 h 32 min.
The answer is 2 h 11 min
